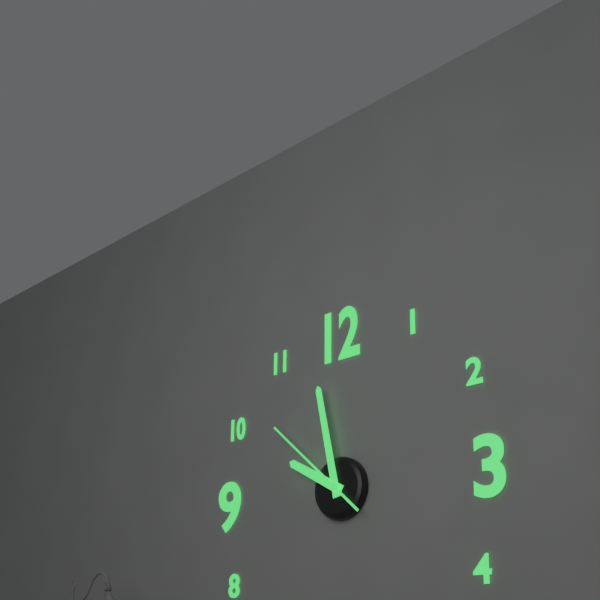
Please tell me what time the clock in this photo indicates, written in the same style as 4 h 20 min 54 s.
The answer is 9 h 58 min 52 s
